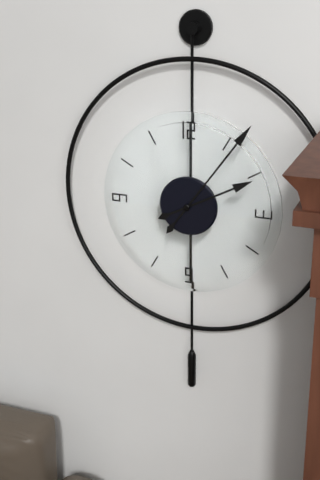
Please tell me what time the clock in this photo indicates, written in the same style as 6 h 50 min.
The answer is 2 h 06 min
